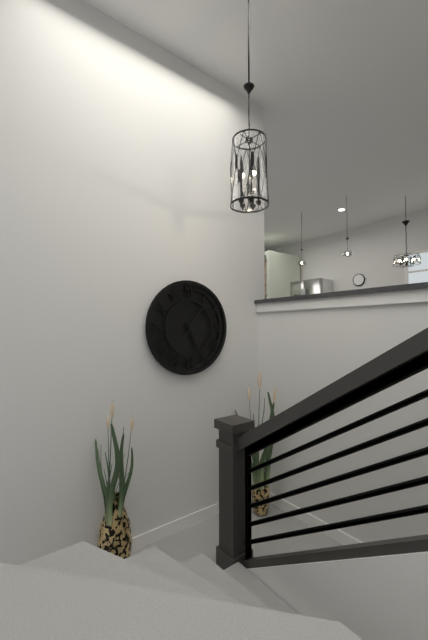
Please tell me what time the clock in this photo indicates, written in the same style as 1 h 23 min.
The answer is 5 h 06 min
